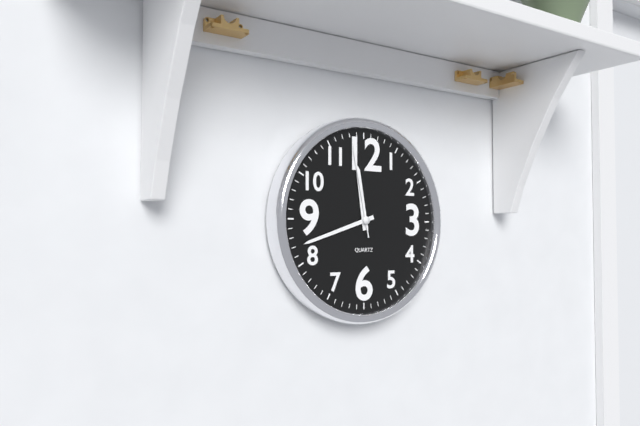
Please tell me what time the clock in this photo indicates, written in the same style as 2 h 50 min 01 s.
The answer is 11 h 42 min 58 s
